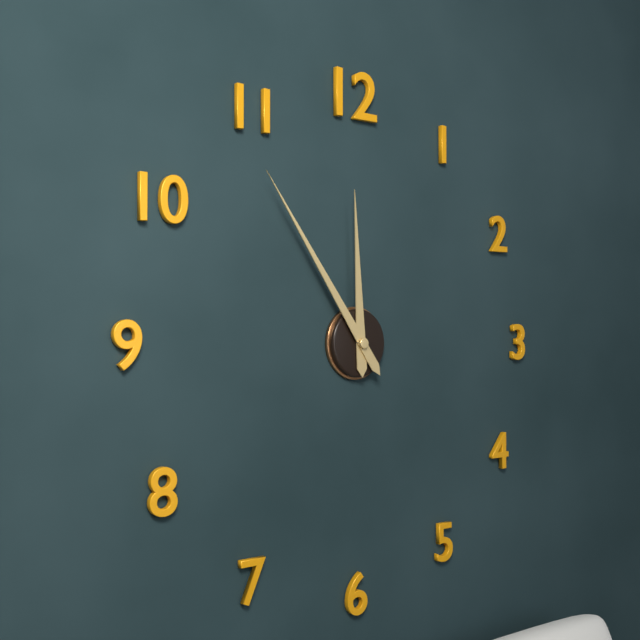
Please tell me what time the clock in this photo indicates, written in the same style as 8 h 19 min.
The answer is 11 h 54 min
